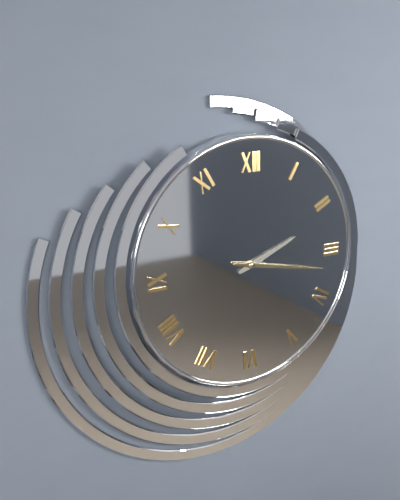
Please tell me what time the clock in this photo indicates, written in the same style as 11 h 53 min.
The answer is 2 h 17 min
